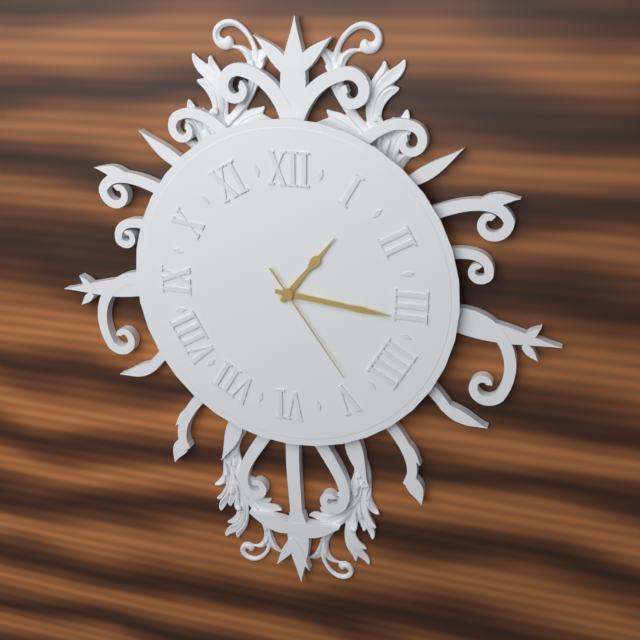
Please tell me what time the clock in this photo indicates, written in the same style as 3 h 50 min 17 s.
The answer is 1 h 16 min 24 s
